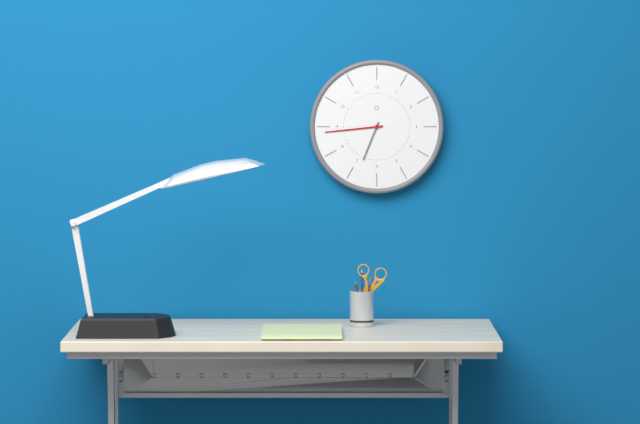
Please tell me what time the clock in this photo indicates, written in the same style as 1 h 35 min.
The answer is 6 h 44 min
